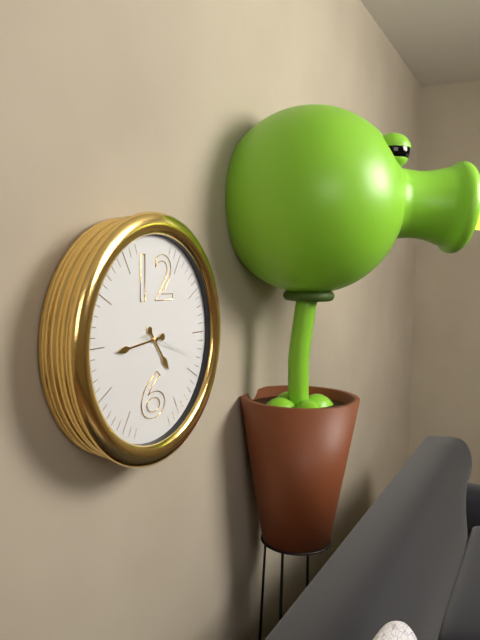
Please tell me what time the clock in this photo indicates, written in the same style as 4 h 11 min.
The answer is 4 h 44 min
